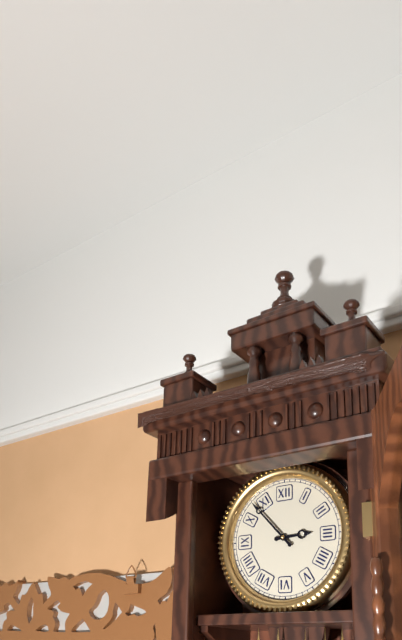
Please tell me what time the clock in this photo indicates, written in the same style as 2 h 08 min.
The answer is 2 h 53 min
